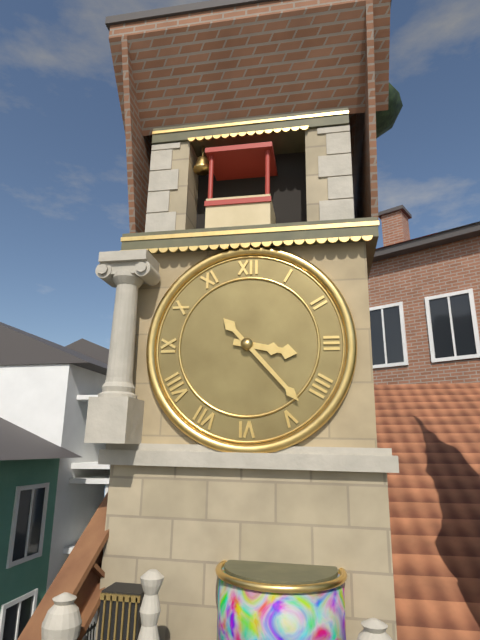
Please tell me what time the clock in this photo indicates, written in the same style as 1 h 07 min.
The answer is 3 h 23 min
